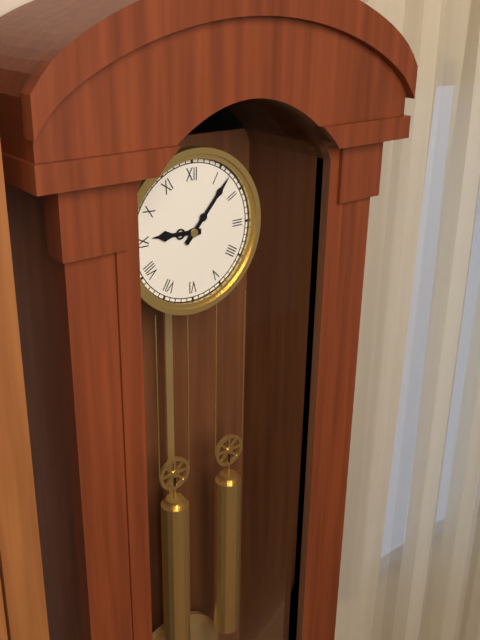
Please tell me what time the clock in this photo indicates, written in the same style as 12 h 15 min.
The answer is 9 h 07 min
